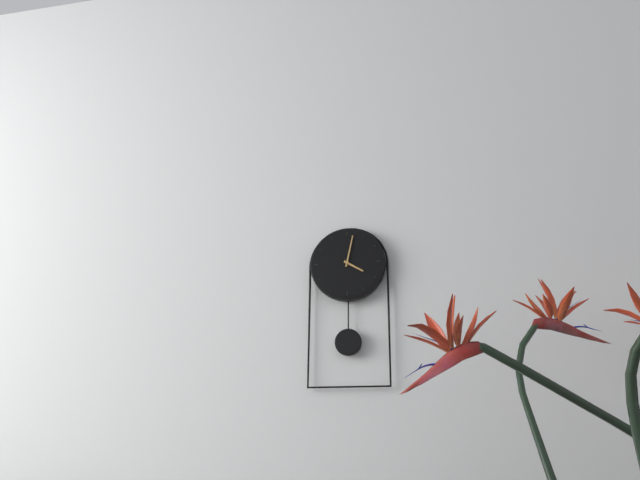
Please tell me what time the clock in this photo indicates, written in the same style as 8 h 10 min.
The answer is 4 h 02 min
